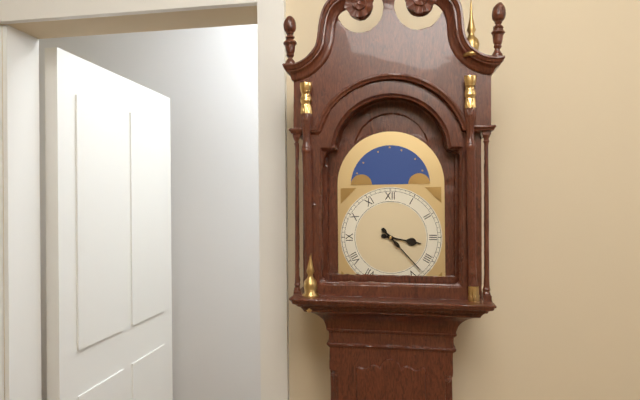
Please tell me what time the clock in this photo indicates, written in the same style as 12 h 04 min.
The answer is 3 h 23 min
